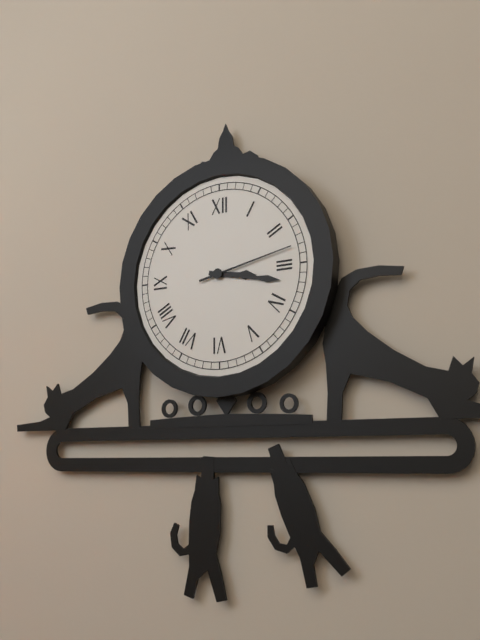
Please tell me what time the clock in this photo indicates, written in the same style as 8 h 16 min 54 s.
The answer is 3 h 17 min 13 s
